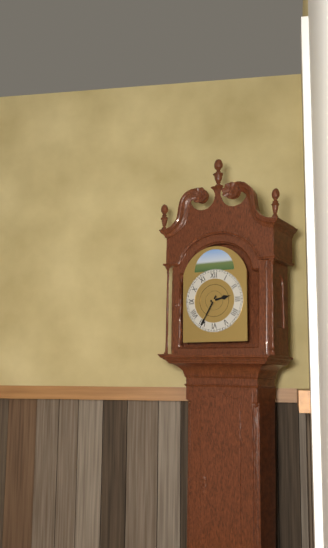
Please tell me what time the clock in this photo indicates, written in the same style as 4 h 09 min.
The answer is 2 h 35 min
